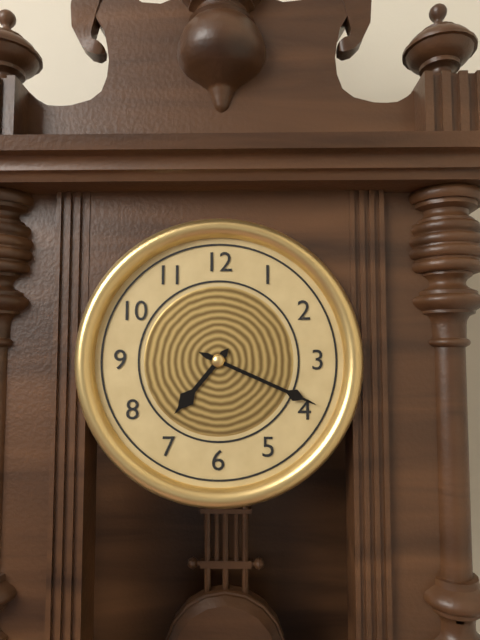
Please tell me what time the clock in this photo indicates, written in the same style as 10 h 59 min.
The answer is 7 h 19 min
